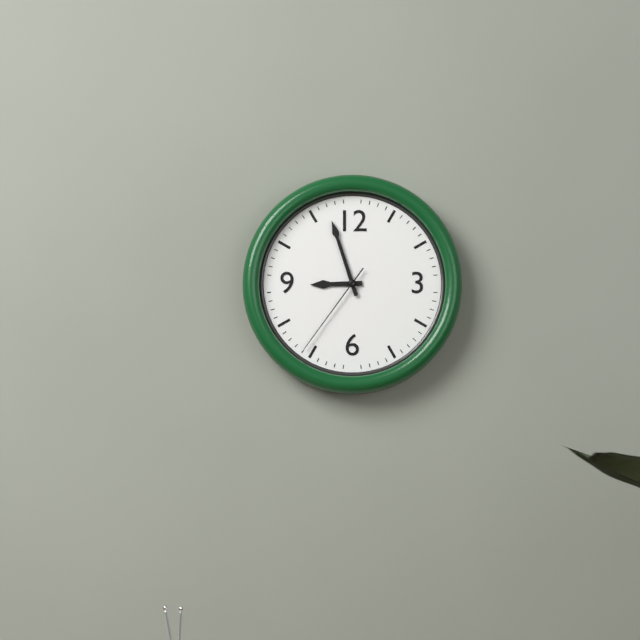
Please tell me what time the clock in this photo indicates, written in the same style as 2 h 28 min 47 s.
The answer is 8 h 57 min 36 s
